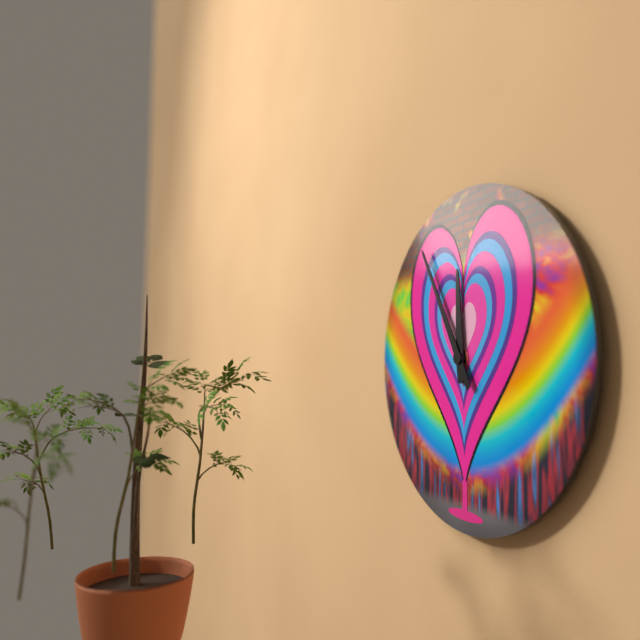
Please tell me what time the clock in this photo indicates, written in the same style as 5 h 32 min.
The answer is 11 h 55 min
